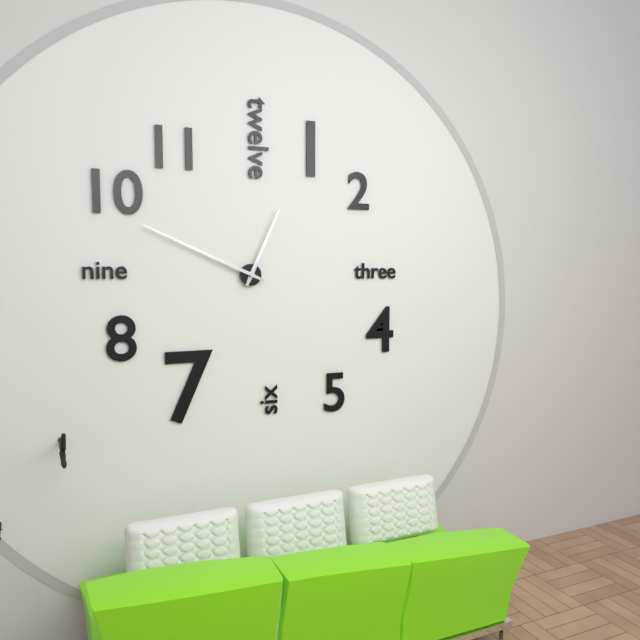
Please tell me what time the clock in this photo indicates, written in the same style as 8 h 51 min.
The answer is 12 h 49 min
